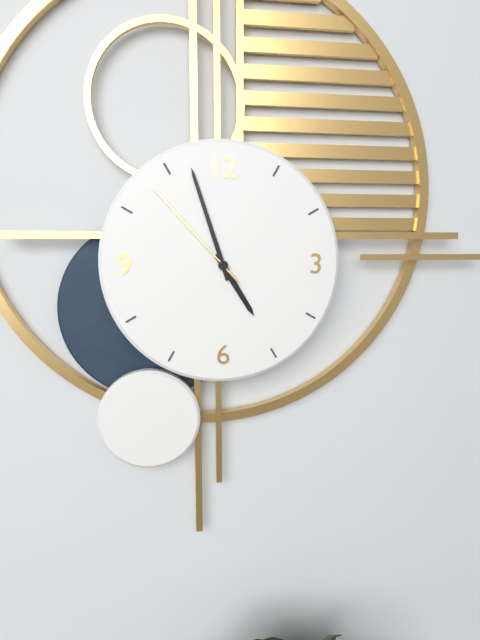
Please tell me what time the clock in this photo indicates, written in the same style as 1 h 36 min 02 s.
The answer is 4 h 57 min 53 s
